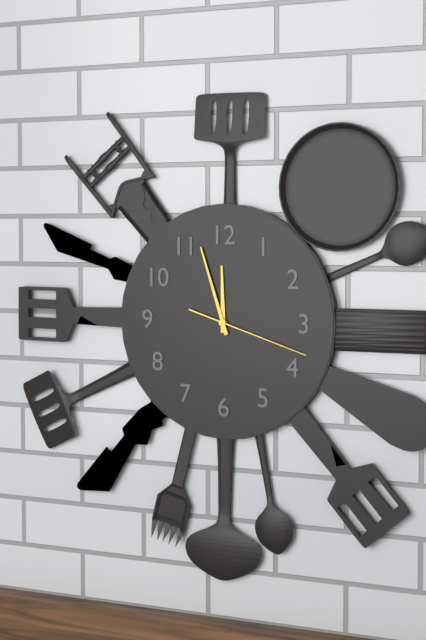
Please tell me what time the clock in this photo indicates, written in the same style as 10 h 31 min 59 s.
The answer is 11 h 57 min 18 s
